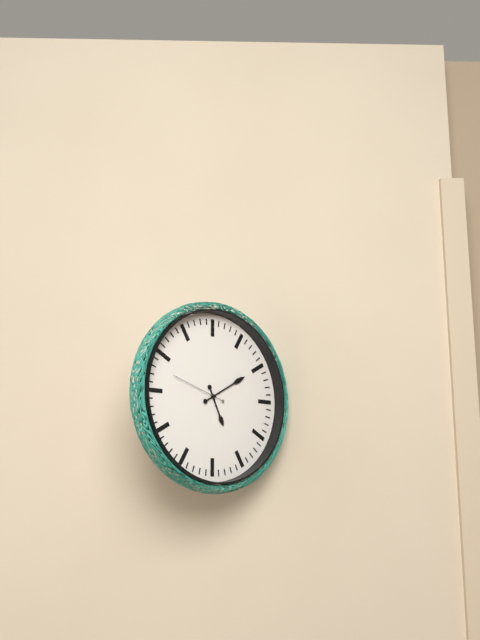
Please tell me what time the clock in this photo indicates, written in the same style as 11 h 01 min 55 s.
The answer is 5 h 10 min 48 s
